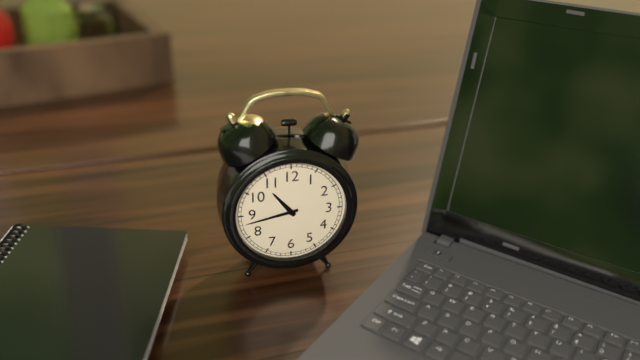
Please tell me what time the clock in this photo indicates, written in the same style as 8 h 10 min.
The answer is 10 h 43 min
